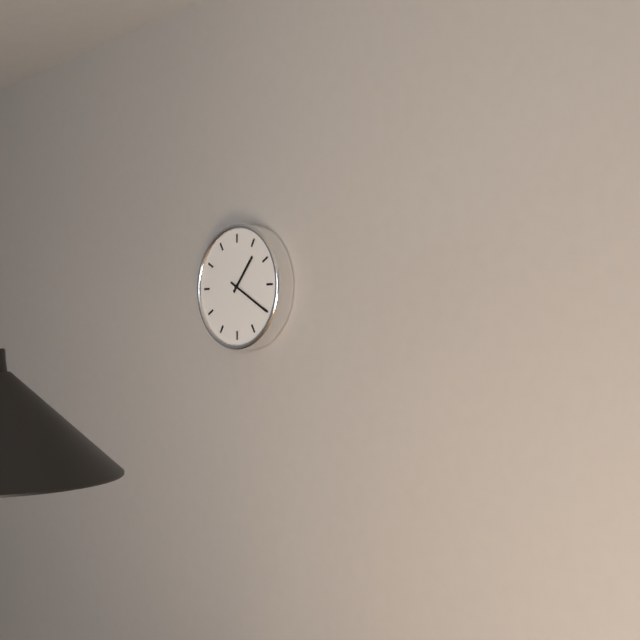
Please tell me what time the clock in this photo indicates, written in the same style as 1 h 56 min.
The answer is 1 h 20 min
